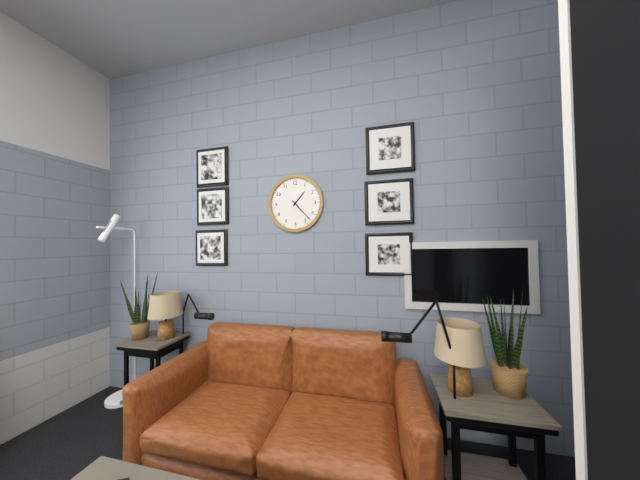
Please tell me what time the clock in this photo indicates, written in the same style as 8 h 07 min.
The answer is 1 h 23 min
